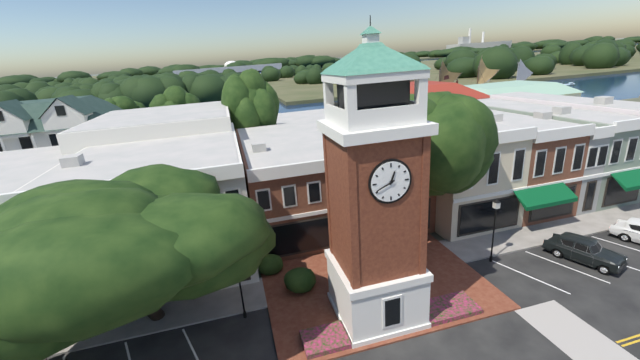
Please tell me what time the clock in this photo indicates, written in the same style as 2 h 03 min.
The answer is 12 h 41 min
